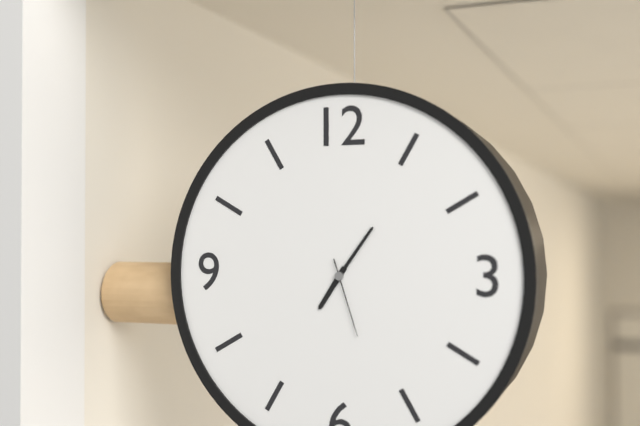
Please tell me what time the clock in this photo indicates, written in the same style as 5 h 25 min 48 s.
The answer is 7 h 06 min 27 s
